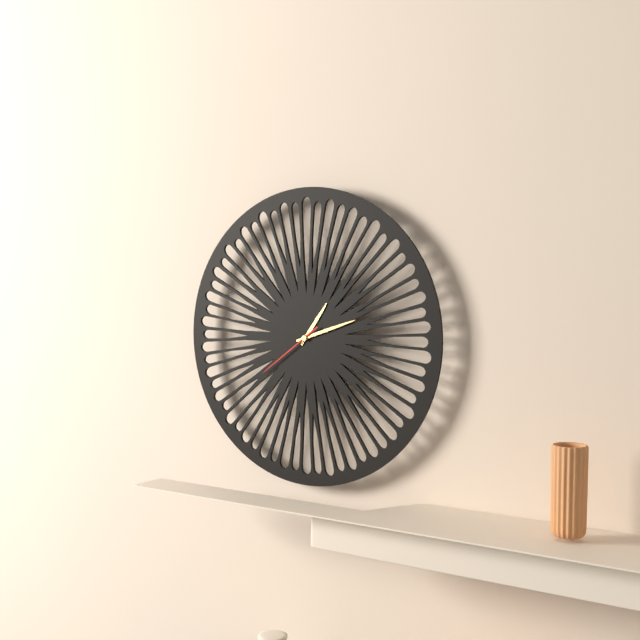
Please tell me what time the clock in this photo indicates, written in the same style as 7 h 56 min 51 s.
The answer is 1 h 12 min 39 s
